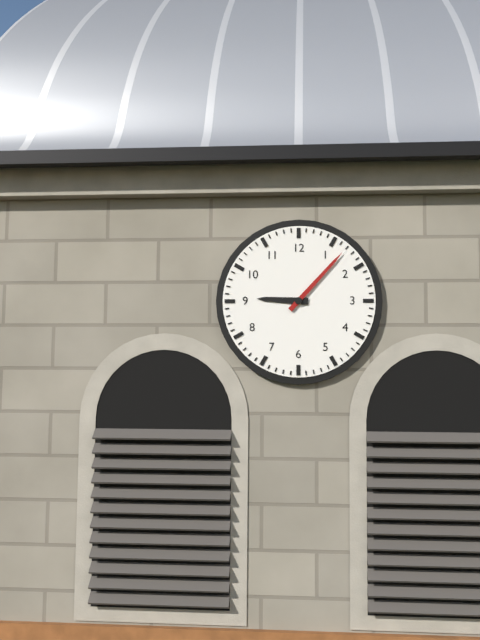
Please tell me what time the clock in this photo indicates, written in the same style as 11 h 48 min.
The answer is 9 h 07 min
